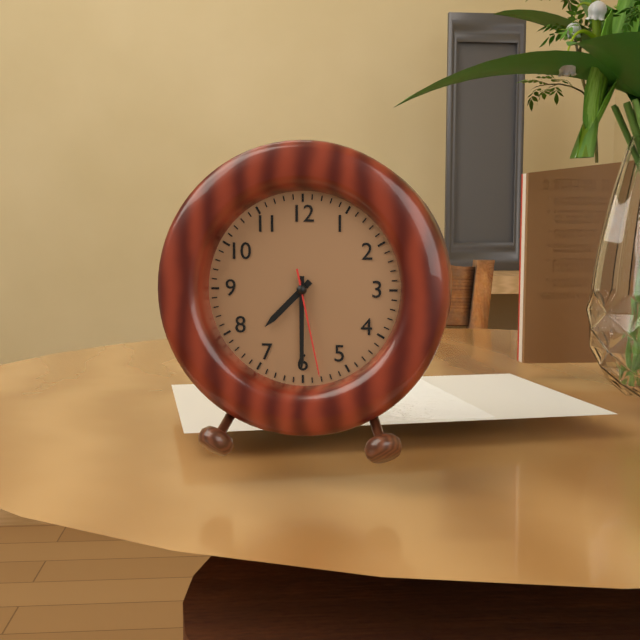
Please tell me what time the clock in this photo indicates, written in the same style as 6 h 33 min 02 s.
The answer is 7 h 30 min 28 s
